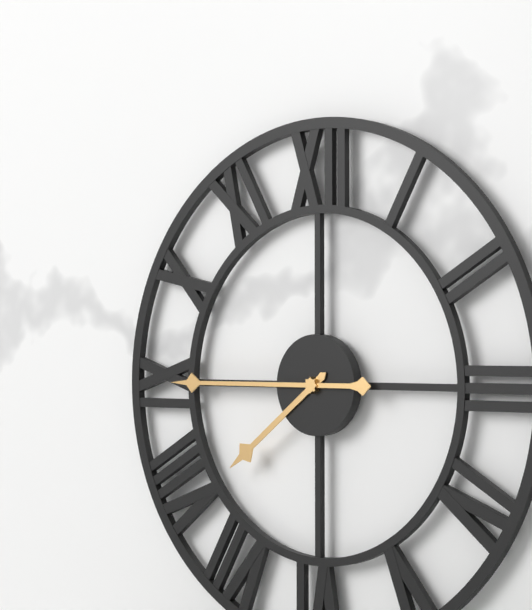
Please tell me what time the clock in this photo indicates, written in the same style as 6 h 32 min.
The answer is 7 h 45 min
